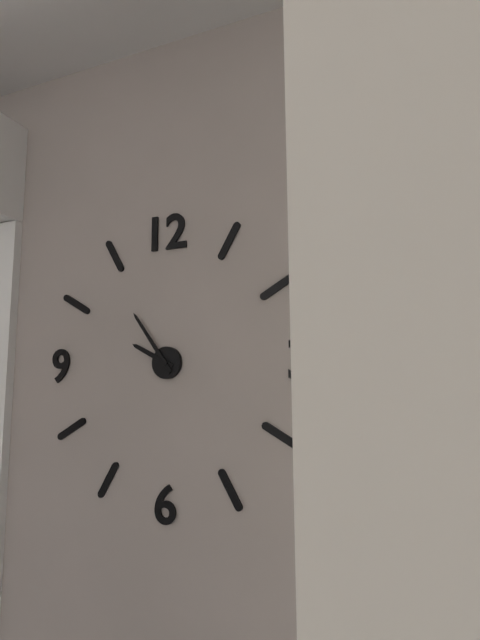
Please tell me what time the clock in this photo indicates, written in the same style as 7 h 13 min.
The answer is 9 h 54 min
